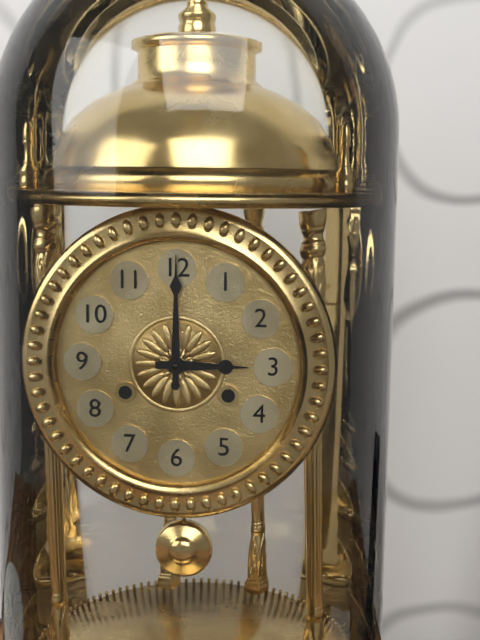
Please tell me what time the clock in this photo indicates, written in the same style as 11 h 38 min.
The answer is 3 h 00 min
